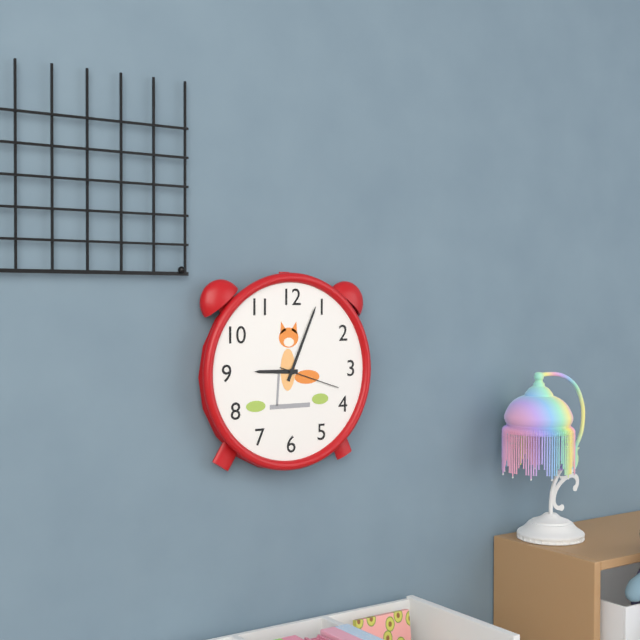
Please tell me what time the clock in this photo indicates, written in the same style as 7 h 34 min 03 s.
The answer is 9 h 04 min 18 s
